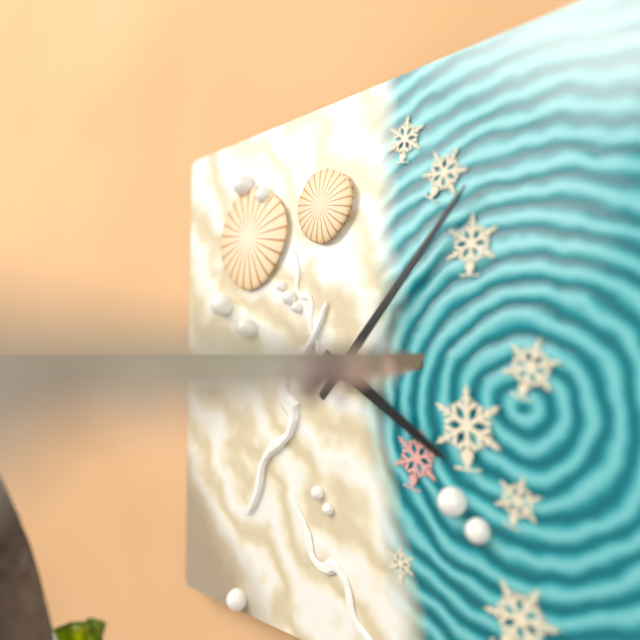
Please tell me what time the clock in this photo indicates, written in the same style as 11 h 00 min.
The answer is 4 h 07 min
